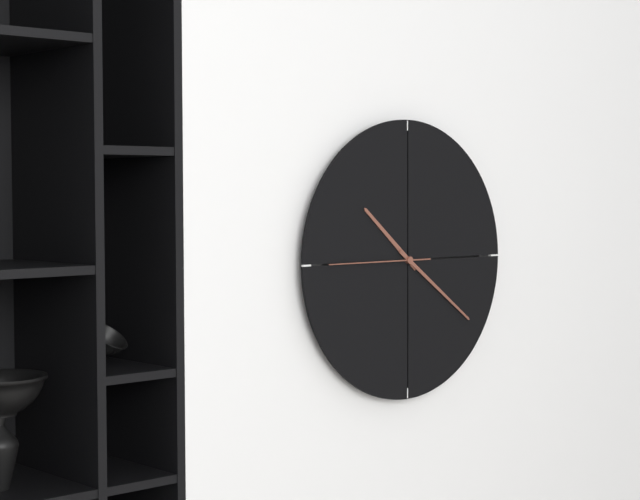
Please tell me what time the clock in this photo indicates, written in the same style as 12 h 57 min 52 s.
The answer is 10 h 21 min 45 s
